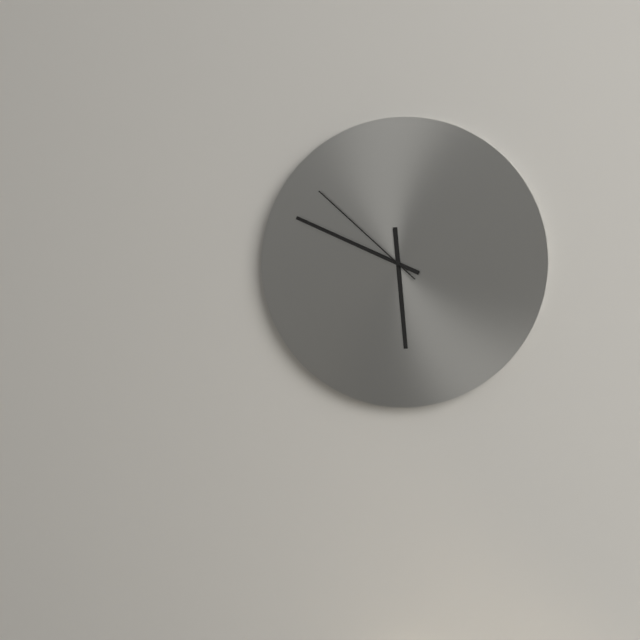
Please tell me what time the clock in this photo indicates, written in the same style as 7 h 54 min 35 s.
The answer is 5 h 49 min 52 s
